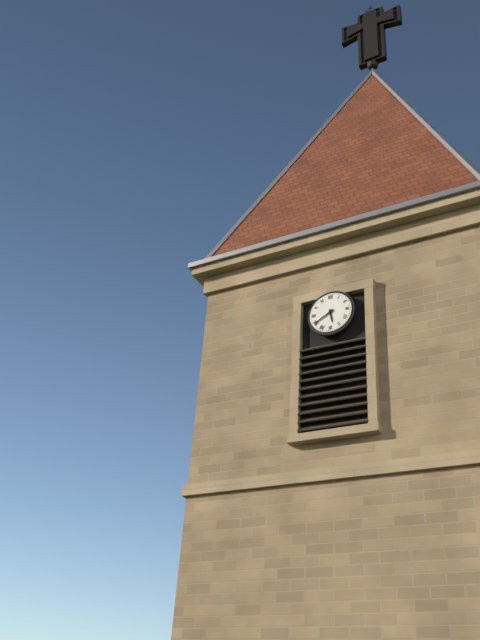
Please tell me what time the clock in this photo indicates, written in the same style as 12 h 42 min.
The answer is 5 h 40 min
